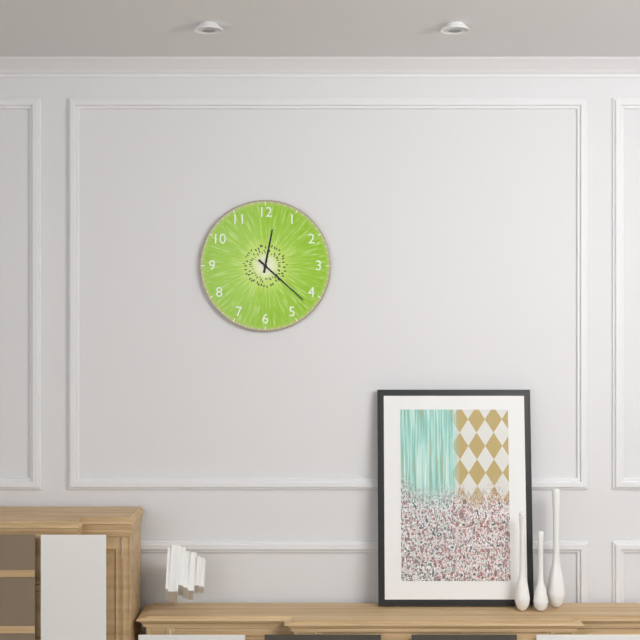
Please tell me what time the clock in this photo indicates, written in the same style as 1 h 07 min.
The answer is 12 h 22 min
